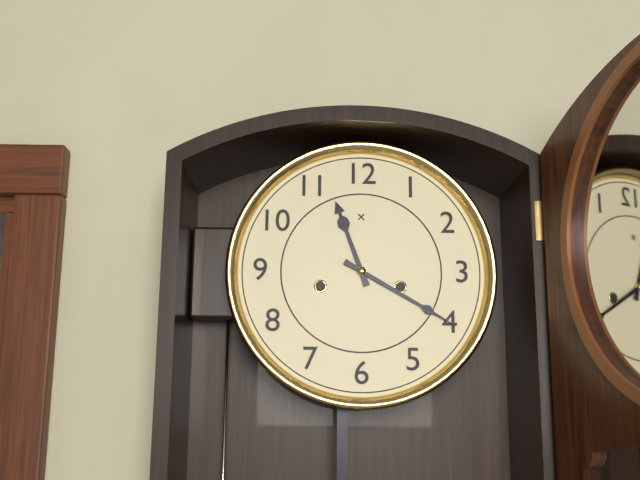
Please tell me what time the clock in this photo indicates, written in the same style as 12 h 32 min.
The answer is 11 h 20 min
